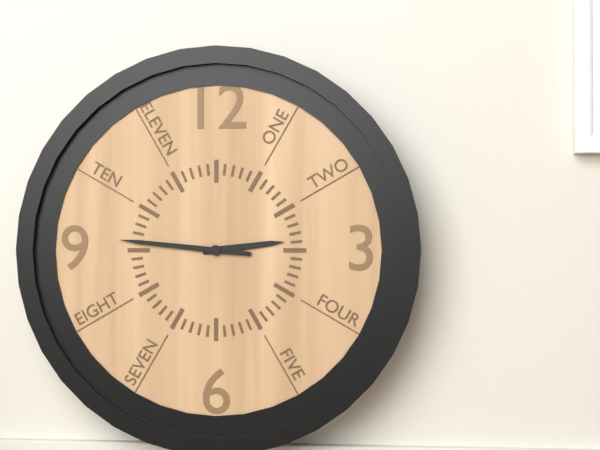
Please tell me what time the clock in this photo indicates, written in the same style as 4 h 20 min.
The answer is 2 h 46 min
